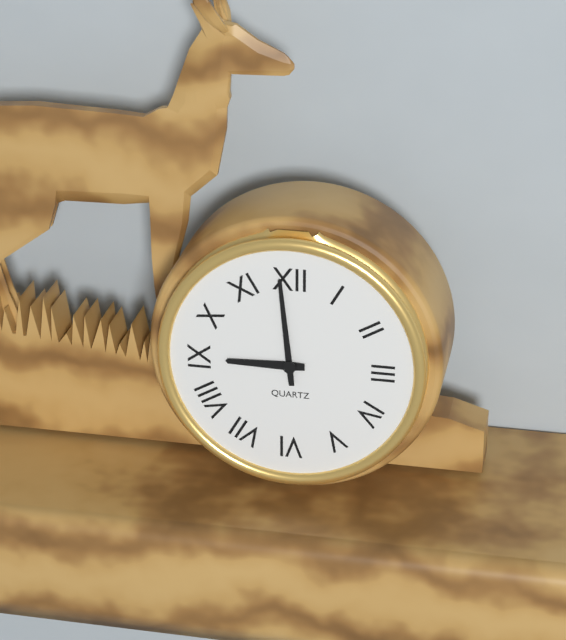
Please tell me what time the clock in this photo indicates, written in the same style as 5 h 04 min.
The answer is 8 h 59 min
